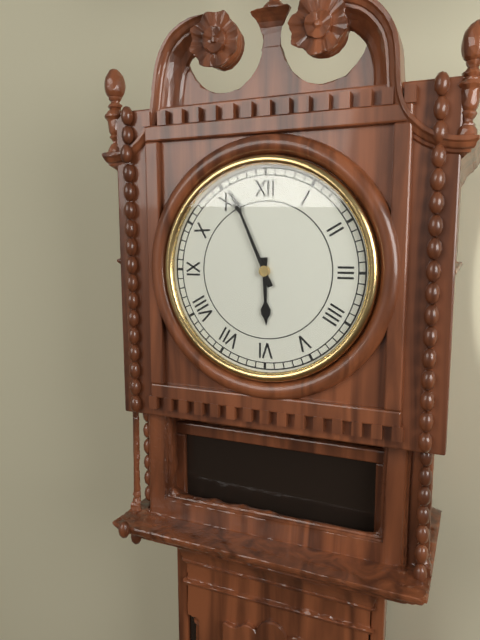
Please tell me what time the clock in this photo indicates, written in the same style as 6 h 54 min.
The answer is 5 h 56 min
